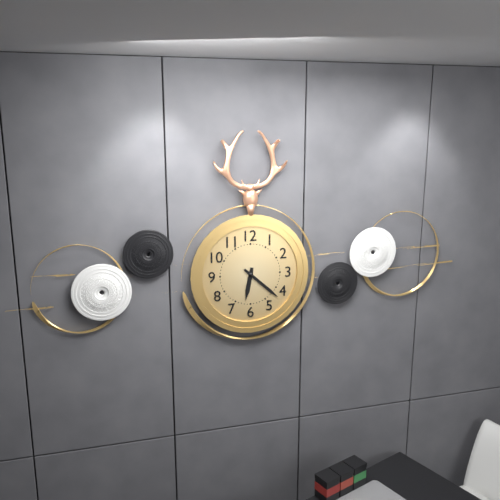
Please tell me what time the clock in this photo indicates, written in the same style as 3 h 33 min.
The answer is 6 h 22 min
